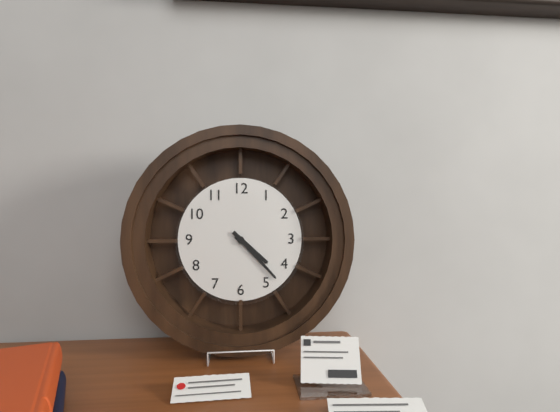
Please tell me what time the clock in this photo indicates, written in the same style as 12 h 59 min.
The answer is 4 h 23 min
